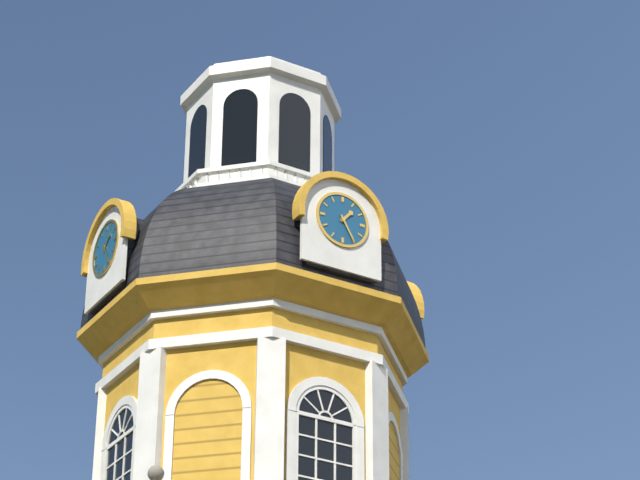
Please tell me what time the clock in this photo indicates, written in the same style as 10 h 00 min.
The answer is 1 h 25 min
